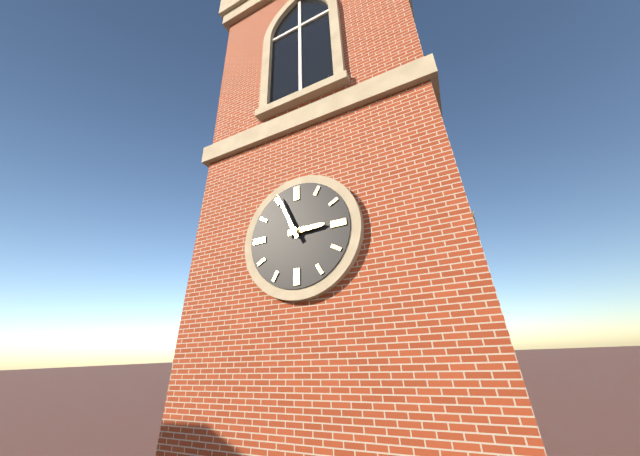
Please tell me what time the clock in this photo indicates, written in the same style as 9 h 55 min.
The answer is 2 h 56 min
